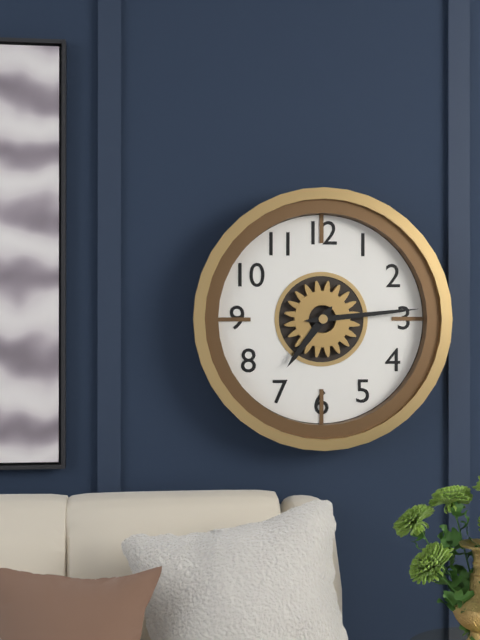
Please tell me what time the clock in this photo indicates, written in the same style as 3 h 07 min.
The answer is 7 h 14 min
